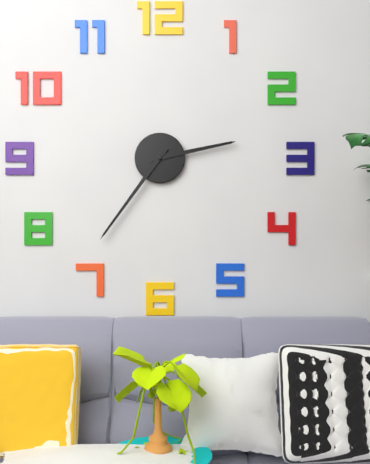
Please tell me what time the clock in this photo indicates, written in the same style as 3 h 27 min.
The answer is 2 h 36 min
